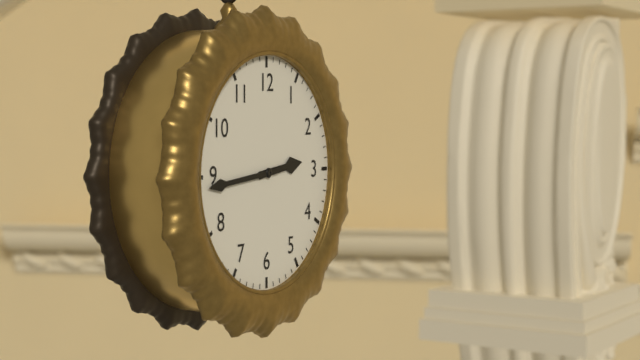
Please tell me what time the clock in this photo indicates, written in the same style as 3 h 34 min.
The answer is 2 h 44 min
